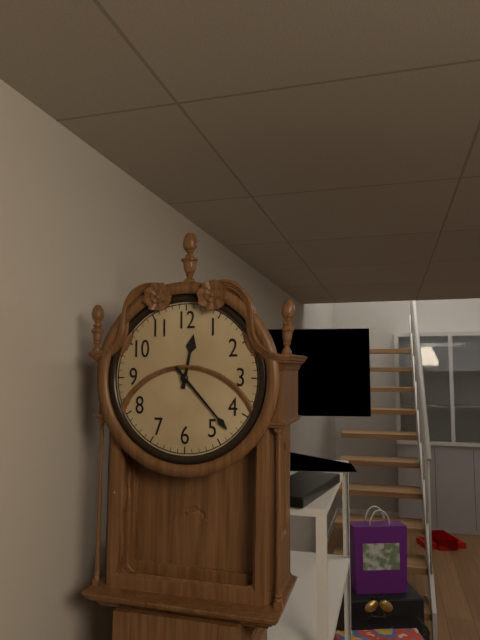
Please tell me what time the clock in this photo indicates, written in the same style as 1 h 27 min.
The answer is 12 h 23 min
